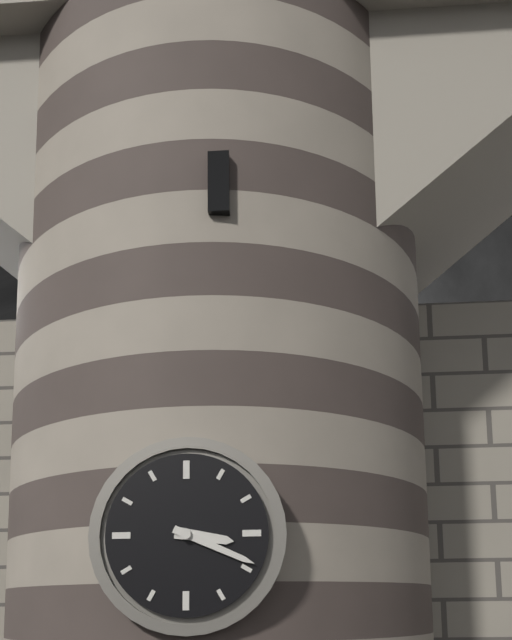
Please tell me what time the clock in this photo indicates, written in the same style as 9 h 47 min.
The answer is 3 h 19 min
